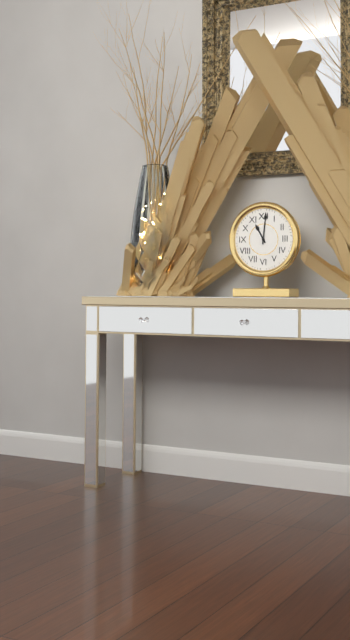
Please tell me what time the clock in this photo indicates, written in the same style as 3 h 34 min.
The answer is 11 h 01 min
